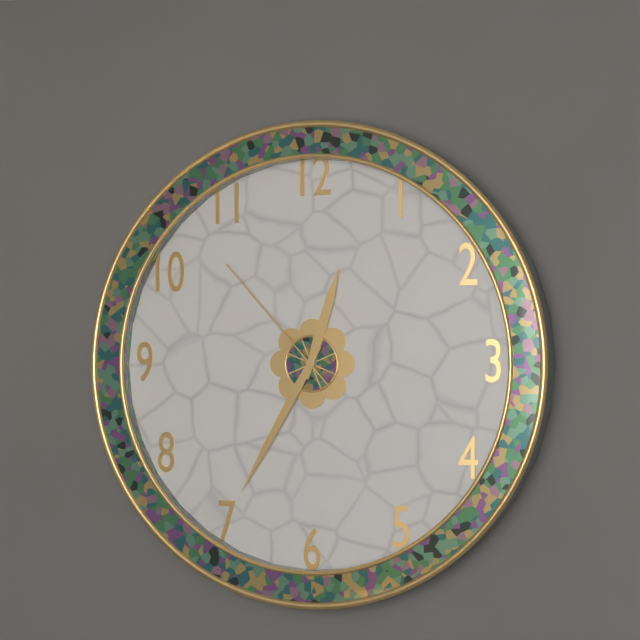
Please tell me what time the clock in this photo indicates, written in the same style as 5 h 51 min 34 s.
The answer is 12 h 35 min 53 s
